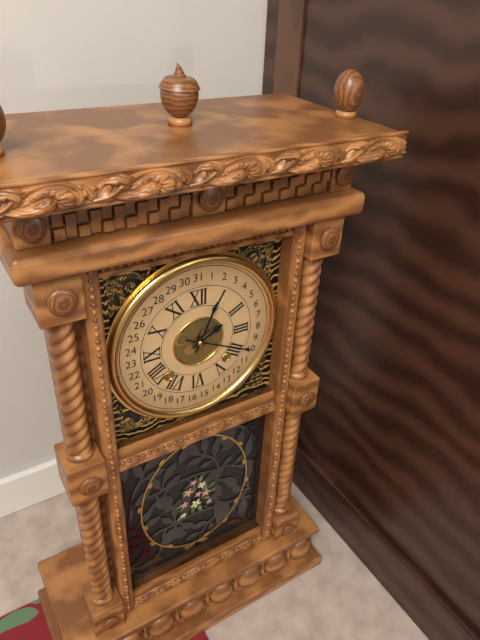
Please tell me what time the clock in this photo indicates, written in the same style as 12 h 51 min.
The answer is 2 h 04 min
